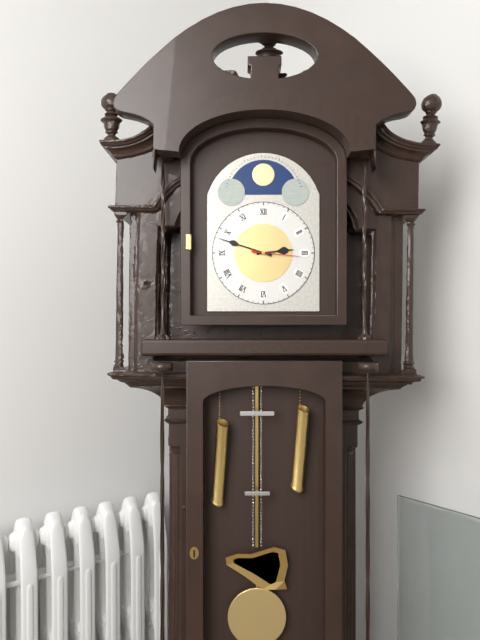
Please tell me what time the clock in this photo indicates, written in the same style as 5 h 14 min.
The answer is 2 h 48 min
